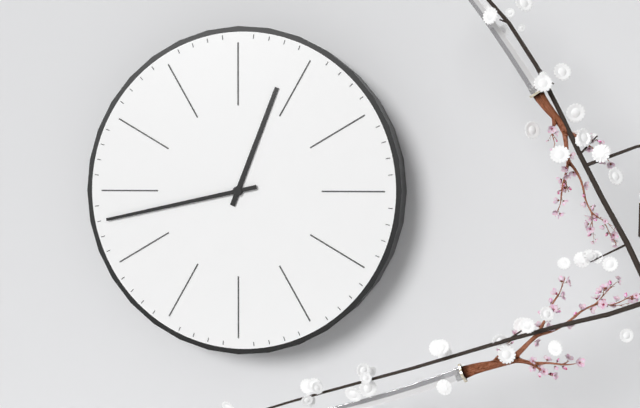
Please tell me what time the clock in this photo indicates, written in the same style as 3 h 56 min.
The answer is 12 h 43 min
